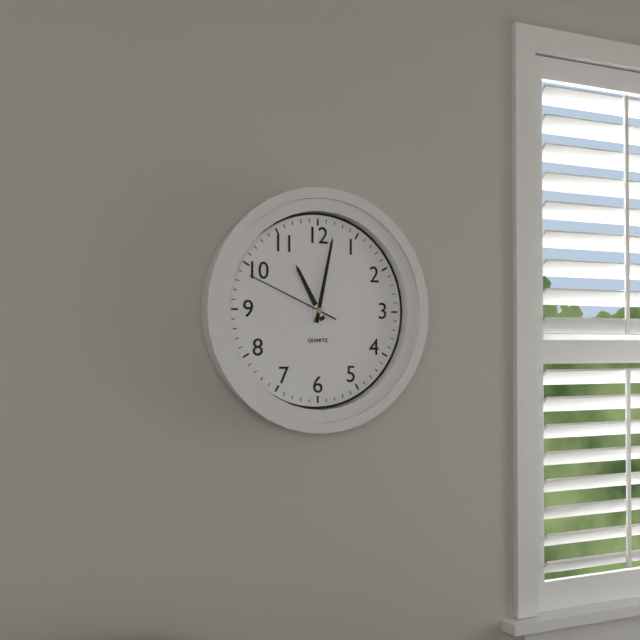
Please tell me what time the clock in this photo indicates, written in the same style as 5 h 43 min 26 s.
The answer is 11 h 02 min 49 s
